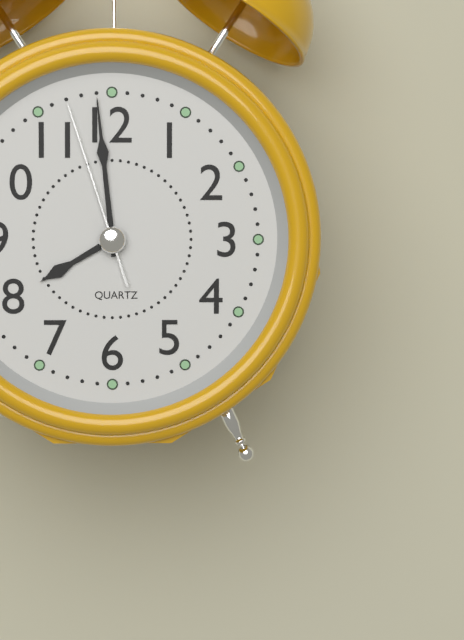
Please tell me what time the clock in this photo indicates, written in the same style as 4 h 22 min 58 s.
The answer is 7 h 59 min 57 s
